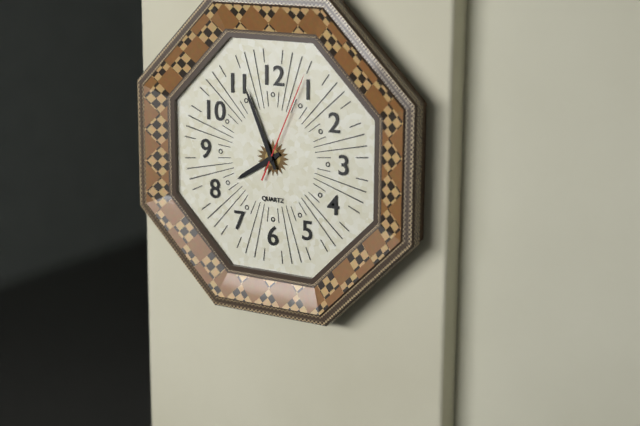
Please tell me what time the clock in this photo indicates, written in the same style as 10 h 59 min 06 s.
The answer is 7 h 56 min 04 s
